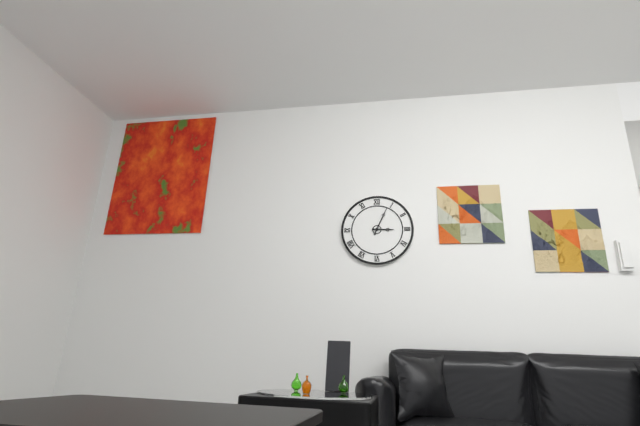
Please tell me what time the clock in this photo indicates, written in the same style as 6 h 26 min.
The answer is 3 h 04 min
